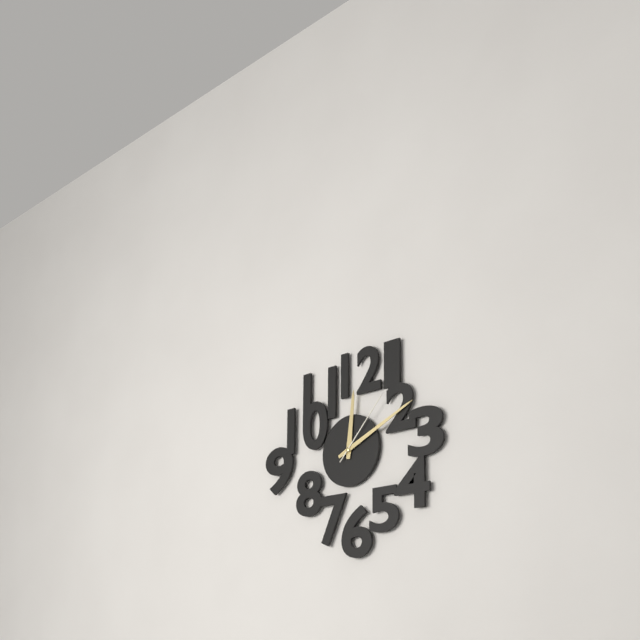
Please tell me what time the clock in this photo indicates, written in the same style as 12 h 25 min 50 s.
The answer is 12 h 11 min 07 s
